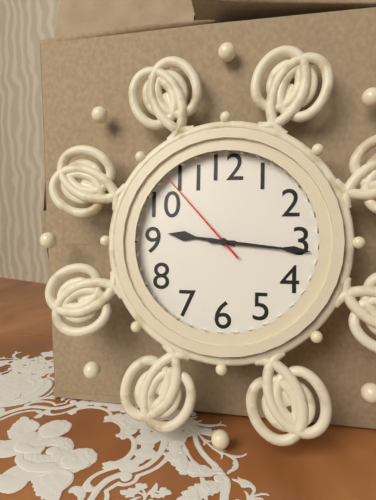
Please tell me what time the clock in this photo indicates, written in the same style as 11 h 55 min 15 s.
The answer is 9 h 16 min 53 s
